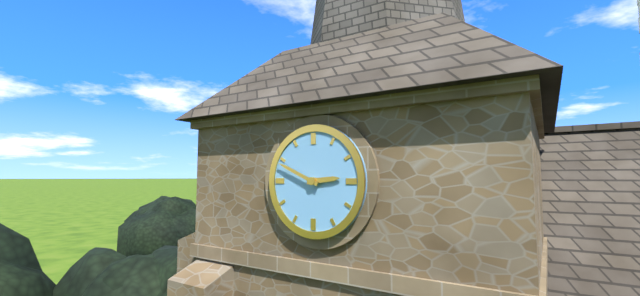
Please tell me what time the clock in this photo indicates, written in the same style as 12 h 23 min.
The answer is 2 h 49 min
